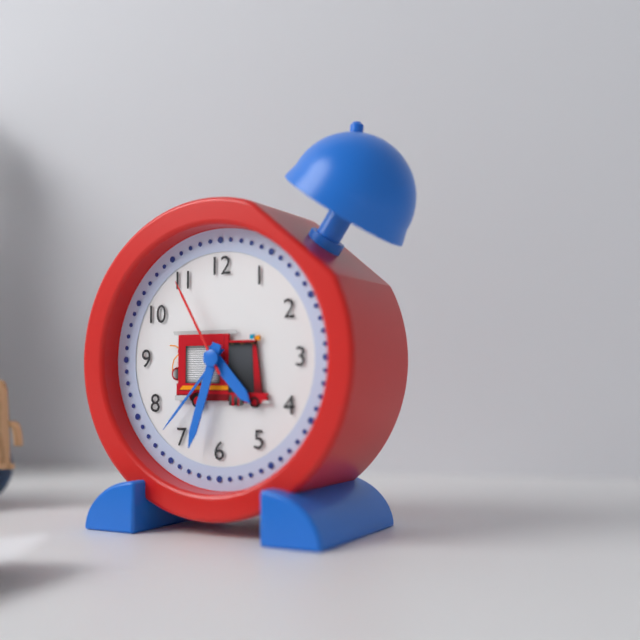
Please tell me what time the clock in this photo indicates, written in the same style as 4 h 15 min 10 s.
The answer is 4 h 33 min 55 s
